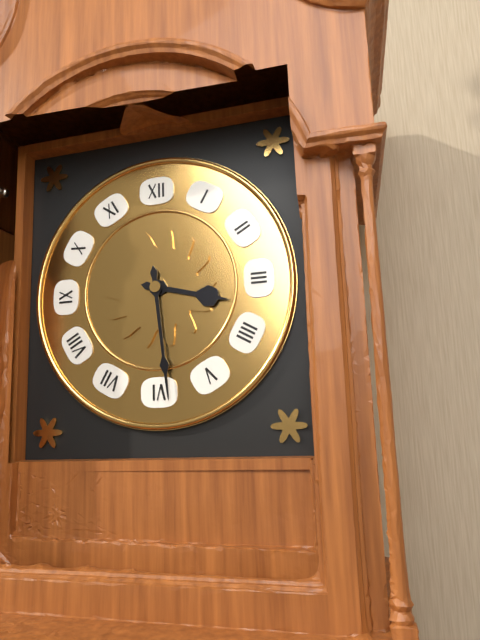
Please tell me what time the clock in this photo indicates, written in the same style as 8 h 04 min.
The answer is 3 h 29 min
